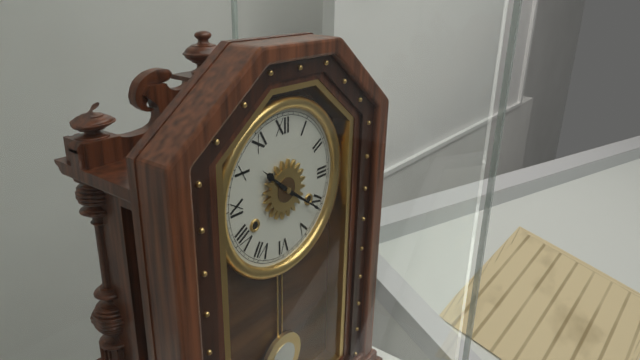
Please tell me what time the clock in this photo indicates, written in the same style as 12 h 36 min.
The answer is 10 h 21 min
